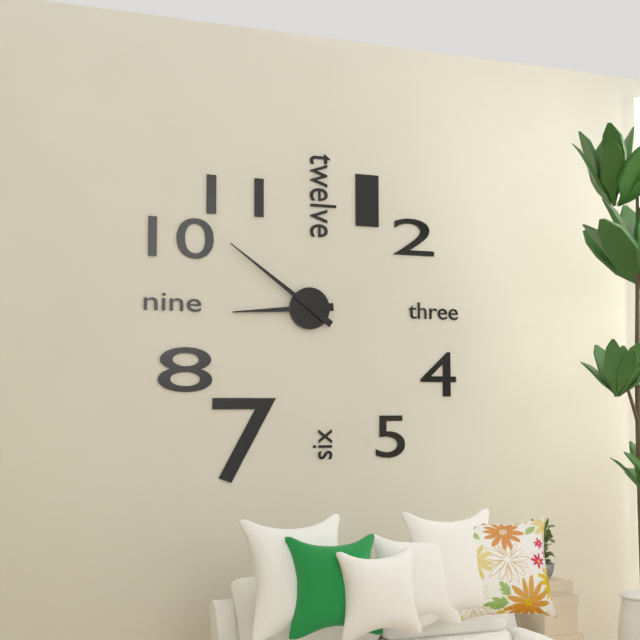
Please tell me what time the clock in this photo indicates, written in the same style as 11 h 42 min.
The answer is 8 h 51 min
